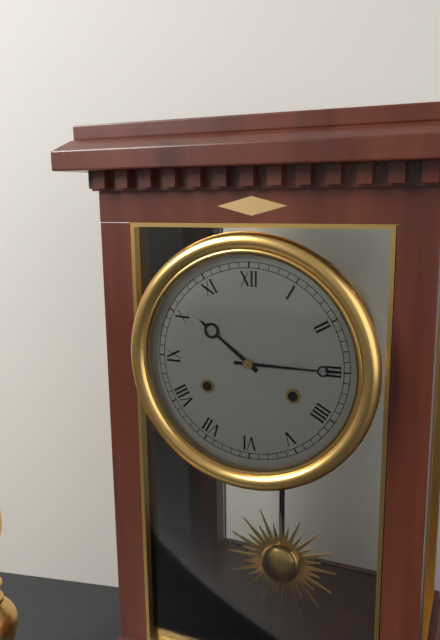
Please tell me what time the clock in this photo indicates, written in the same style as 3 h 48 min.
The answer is 10 h 15 min
